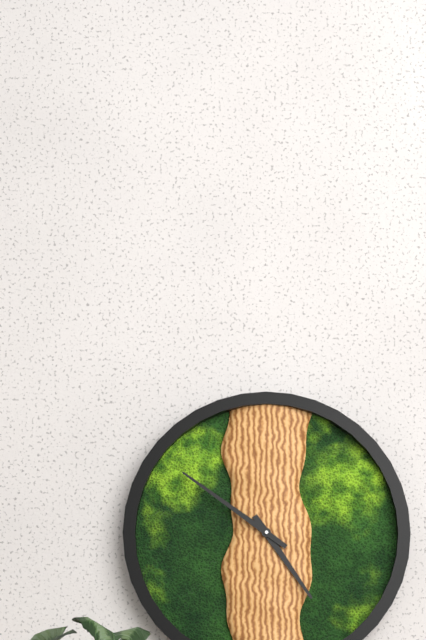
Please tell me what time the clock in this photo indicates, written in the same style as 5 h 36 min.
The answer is 4 h 51 min
